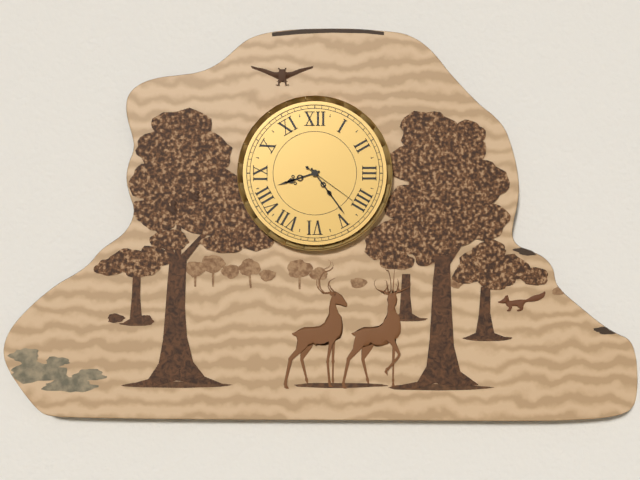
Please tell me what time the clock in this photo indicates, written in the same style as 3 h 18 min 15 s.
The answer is 8 h 24 min 21 s
